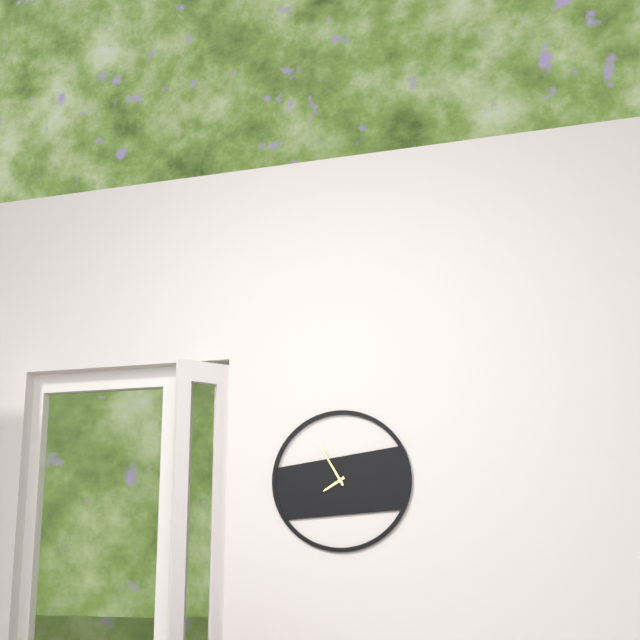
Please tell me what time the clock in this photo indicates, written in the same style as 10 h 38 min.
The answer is 7 h 55 min
